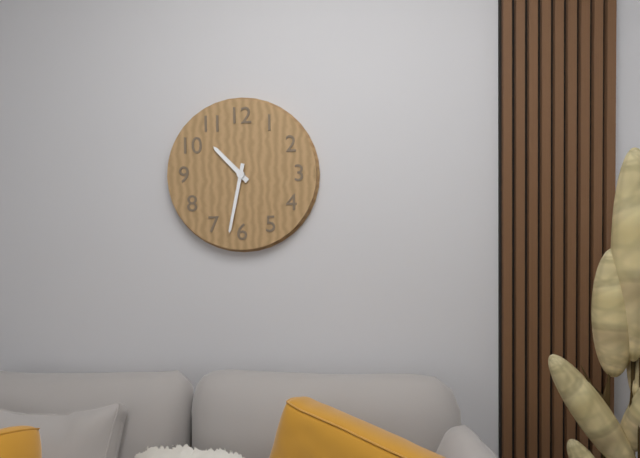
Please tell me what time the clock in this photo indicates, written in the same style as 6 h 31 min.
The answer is 10 h 32 min
